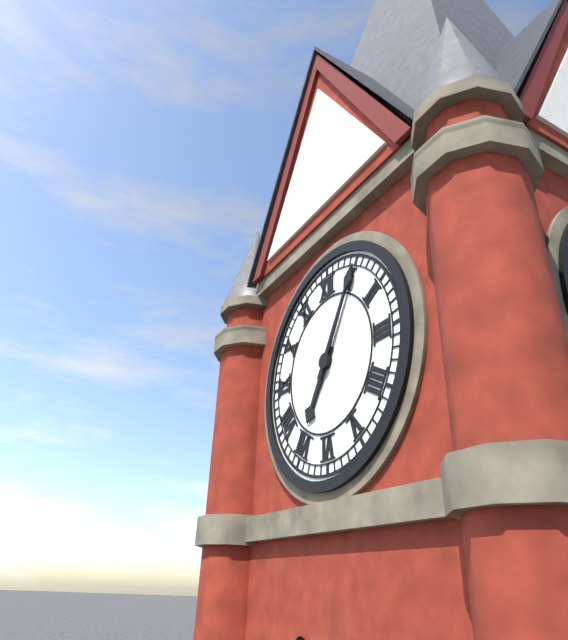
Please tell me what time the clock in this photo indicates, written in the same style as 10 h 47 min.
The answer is 7 h 05 min
